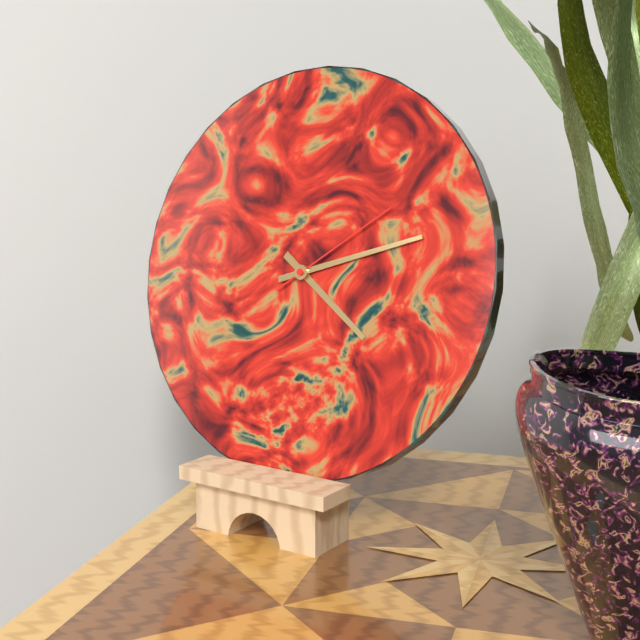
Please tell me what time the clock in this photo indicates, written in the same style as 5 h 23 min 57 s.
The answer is 4 h 12 min 09 s
